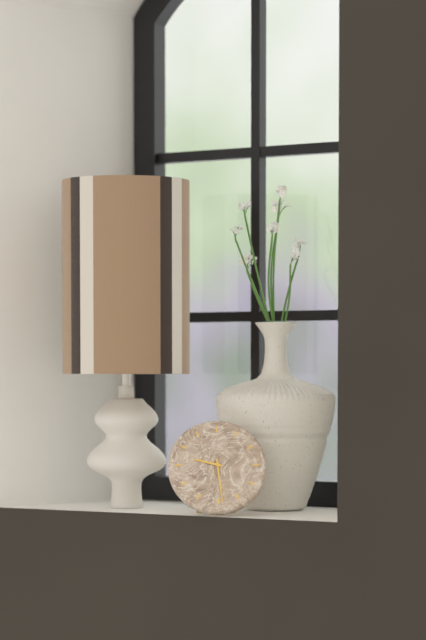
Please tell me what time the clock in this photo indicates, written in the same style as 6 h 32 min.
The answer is 9 h 29 min
